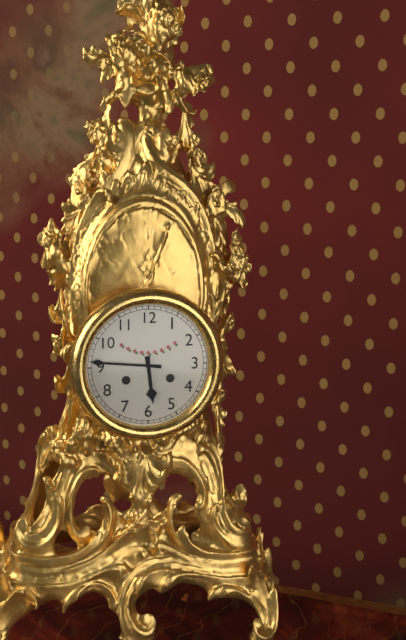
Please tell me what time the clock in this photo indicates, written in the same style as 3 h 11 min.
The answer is 5 h 46 min
